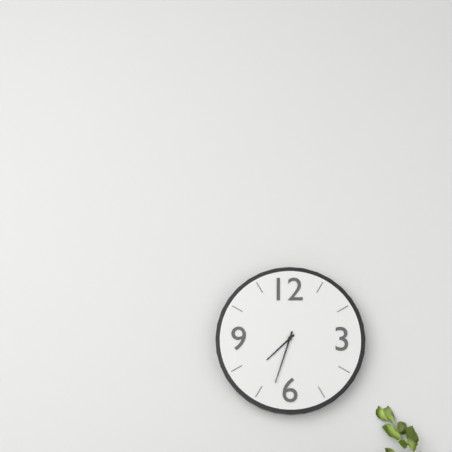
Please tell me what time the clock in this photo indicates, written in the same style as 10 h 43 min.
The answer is 7 h 33 min
